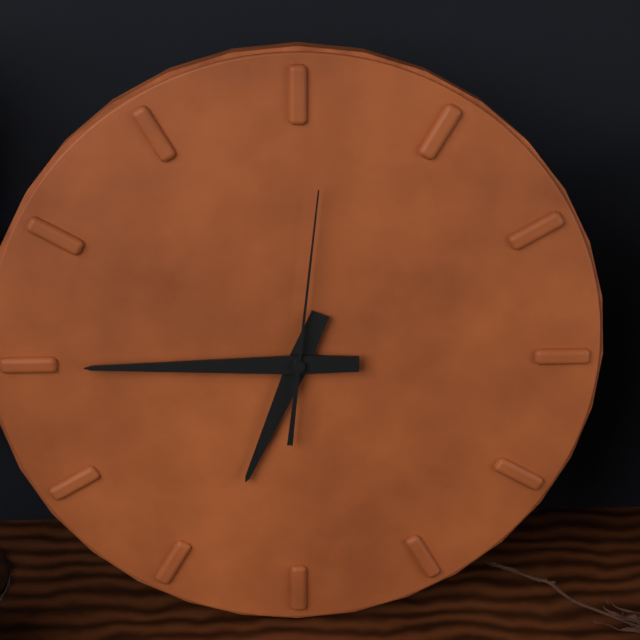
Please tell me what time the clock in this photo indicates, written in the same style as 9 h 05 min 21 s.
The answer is 6 h 45 min 01 s
